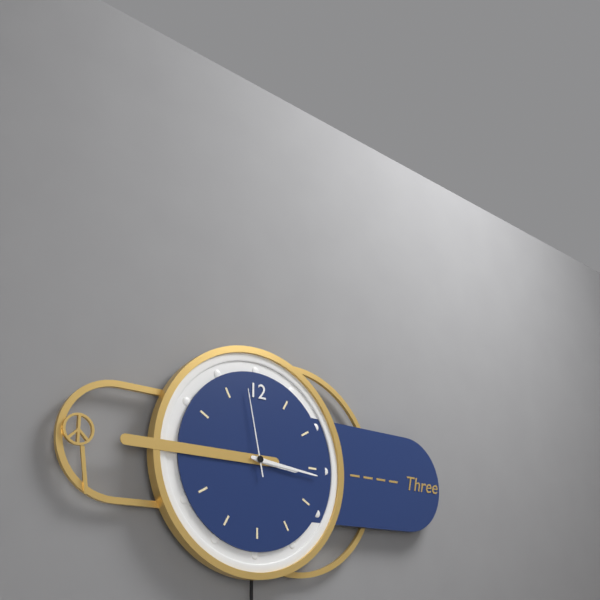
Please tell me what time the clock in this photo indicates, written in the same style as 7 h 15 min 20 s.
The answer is 3 h 16 min 58 s
